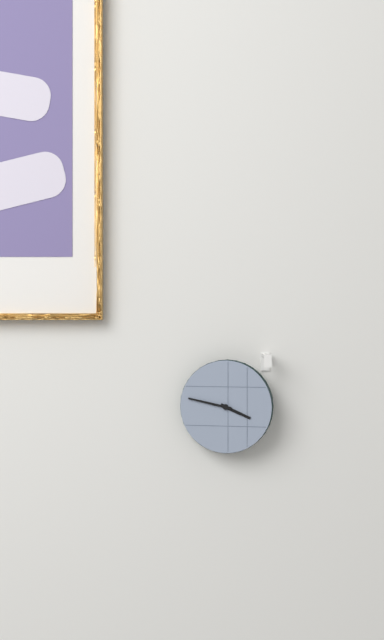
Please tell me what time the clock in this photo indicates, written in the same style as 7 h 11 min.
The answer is 3 h 47 min
